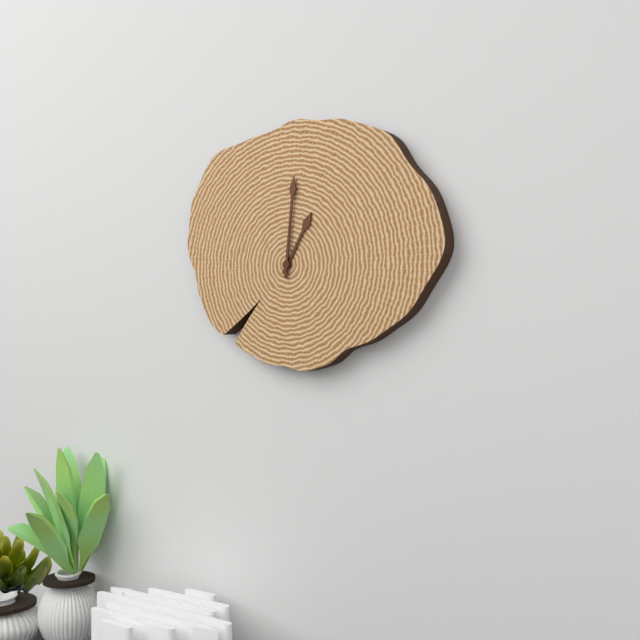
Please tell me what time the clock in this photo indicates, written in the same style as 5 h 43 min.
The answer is 1 h 01 min
